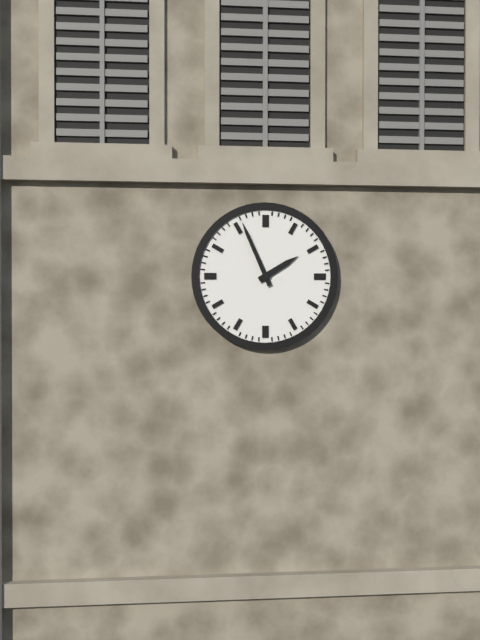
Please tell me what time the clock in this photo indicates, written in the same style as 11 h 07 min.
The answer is 1 h 56 min
